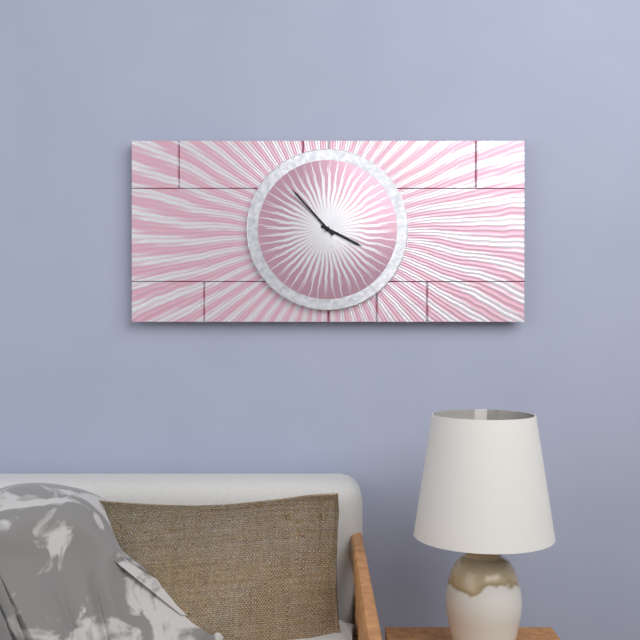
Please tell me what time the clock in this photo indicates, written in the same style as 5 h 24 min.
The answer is 3 h 53 min
